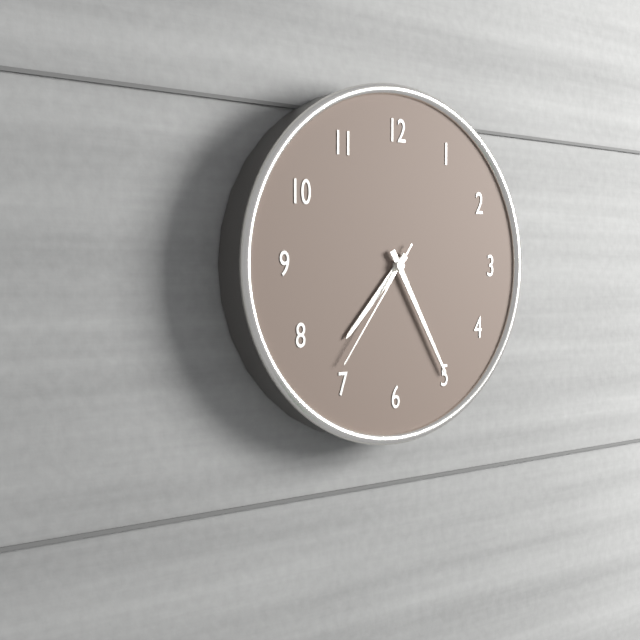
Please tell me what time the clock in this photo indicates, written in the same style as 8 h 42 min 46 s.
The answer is 7 h 25 min 36 s
